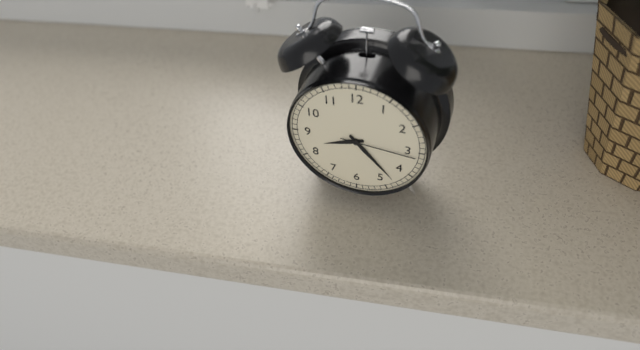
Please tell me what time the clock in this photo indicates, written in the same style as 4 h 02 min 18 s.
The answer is 8 h 23 min 16 s
